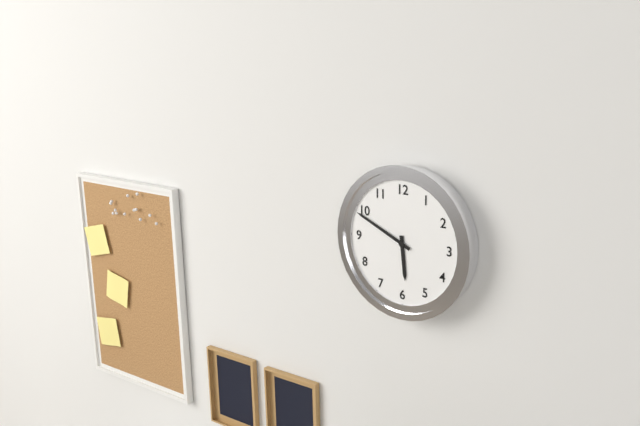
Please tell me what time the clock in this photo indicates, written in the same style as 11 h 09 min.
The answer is 5 h 49 min
